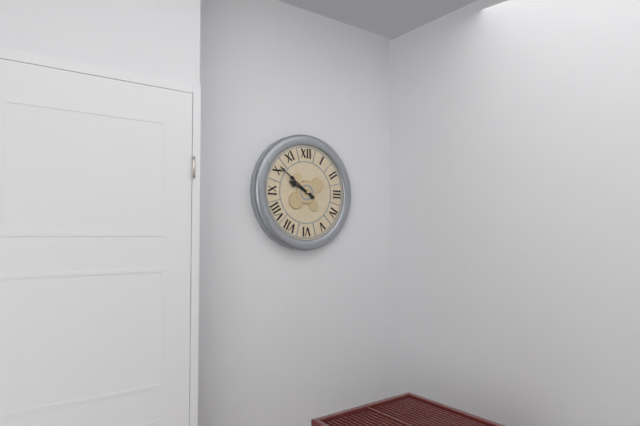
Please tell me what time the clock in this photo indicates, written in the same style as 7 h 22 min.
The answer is 9 h 51 min
